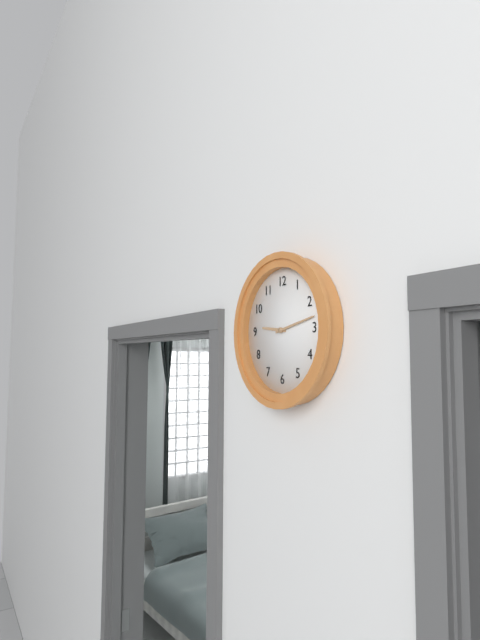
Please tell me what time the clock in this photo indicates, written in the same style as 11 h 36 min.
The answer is 9 h 13 min
